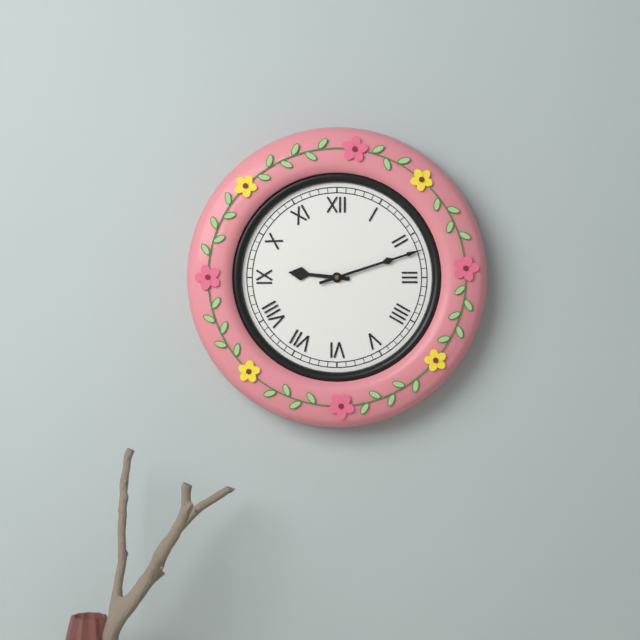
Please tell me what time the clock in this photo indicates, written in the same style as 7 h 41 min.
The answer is 9 h 12 min
